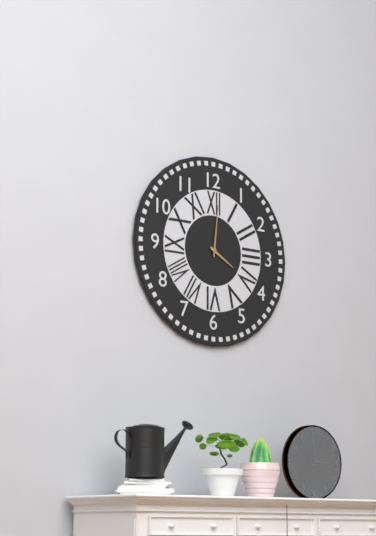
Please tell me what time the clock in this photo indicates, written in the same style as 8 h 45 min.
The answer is 4 h 01 min
